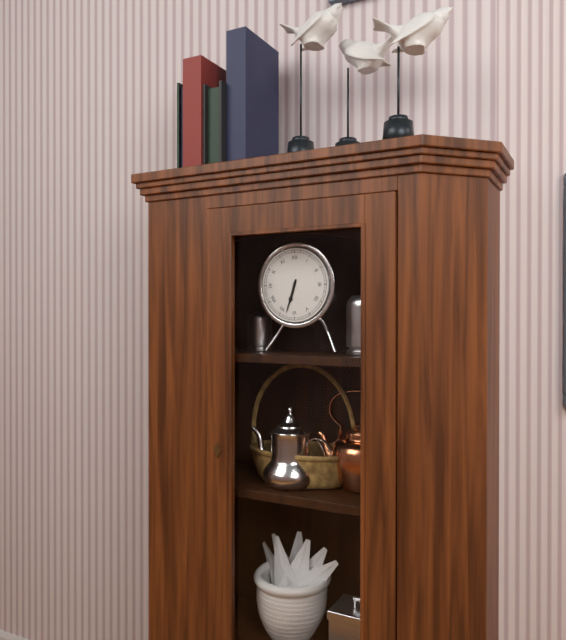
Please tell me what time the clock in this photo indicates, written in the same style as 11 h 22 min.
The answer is 6 h 33 min
